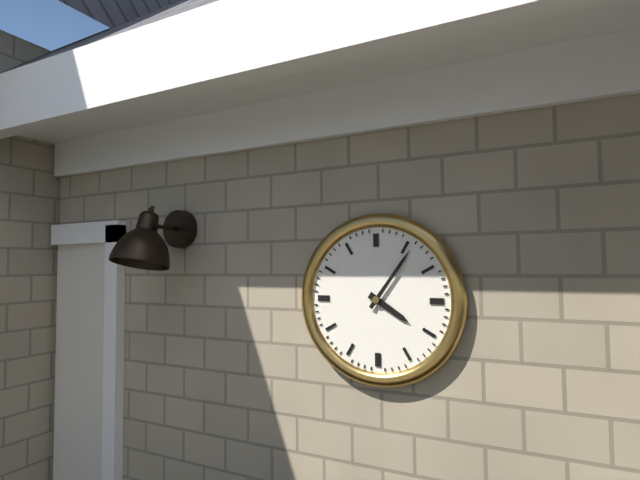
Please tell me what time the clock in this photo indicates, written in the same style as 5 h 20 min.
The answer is 4 h 06 min
